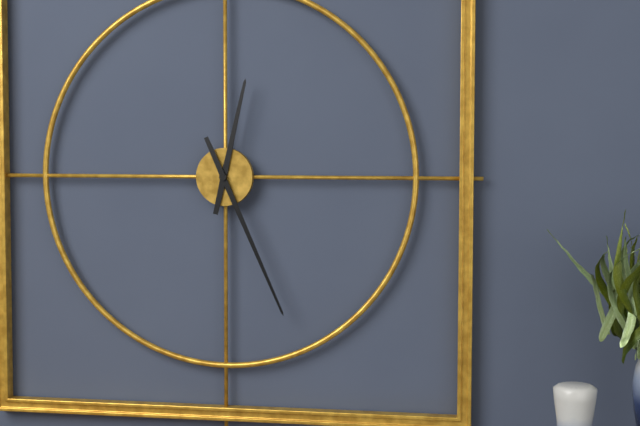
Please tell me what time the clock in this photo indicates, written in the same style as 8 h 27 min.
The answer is 12 h 26 min
